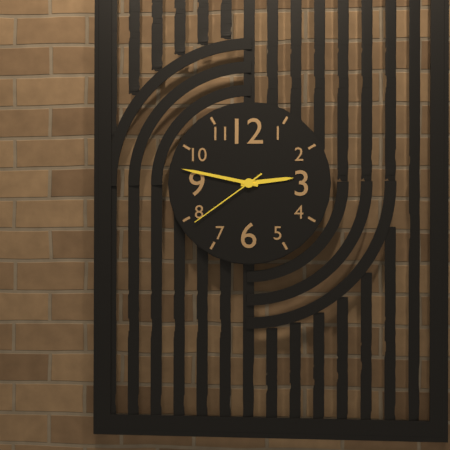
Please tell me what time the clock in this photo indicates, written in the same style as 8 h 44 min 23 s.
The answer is 2 h 47 min 39 s
